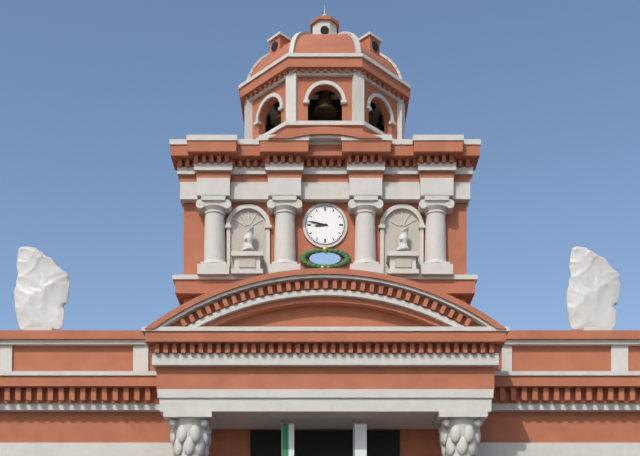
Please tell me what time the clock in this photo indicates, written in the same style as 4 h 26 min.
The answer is 8 h 47 min
